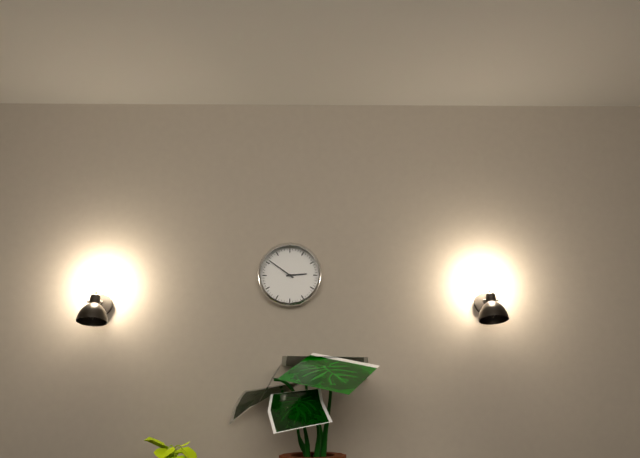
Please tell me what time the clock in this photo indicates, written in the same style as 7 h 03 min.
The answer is 2 h 51 min
